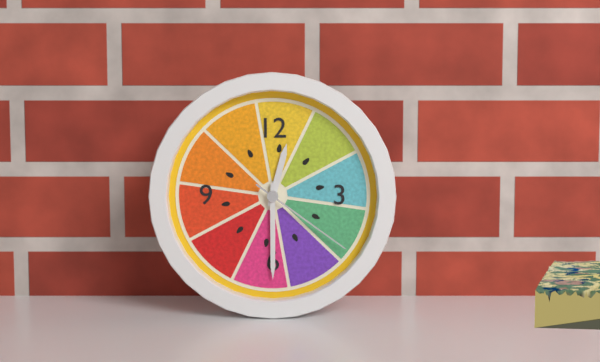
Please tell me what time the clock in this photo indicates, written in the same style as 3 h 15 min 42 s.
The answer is 12 h 30 min 21 s
